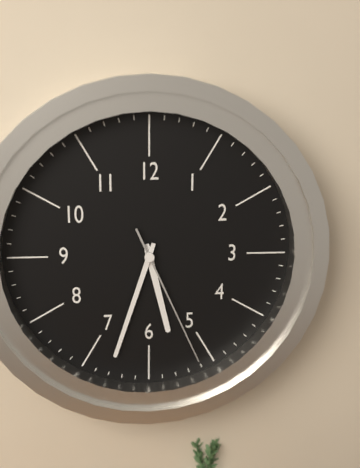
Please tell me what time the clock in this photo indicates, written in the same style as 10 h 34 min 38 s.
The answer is 5 h 33 min 26 s
